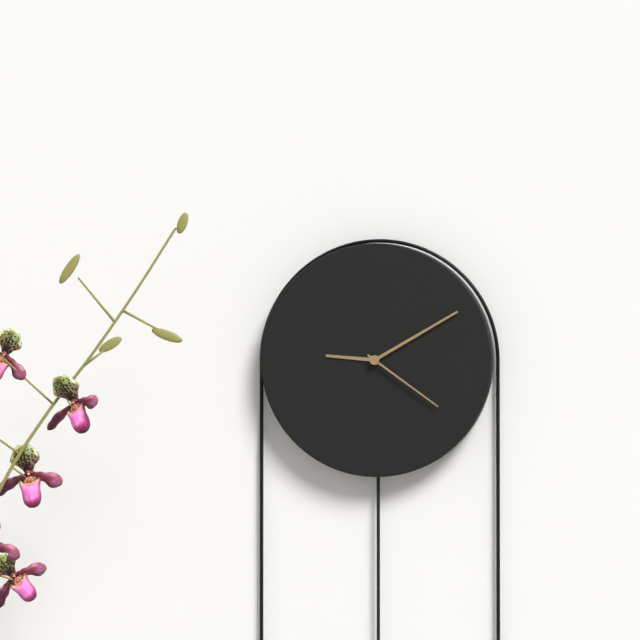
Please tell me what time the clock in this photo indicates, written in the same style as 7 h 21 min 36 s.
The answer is 9 h 10 min 21 s
